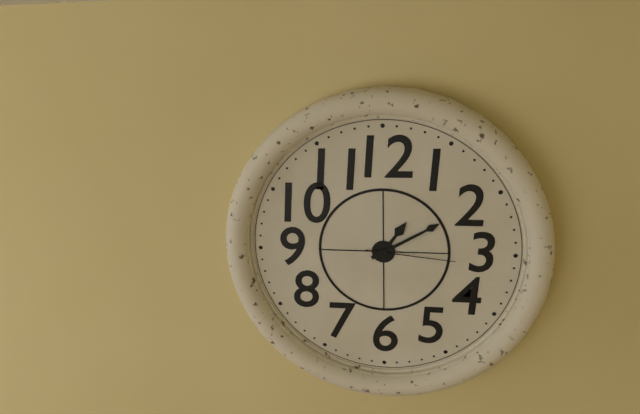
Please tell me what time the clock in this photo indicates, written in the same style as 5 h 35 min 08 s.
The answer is 1 h 10 min 16 s
